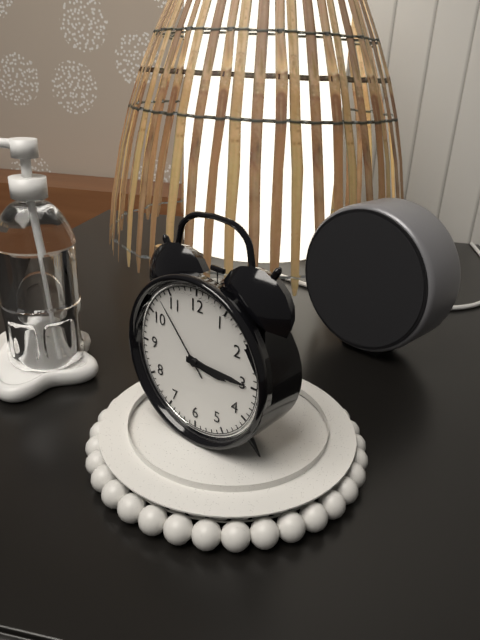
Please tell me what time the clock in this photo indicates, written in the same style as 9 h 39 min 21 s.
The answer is 3 h 15 min 53 s
